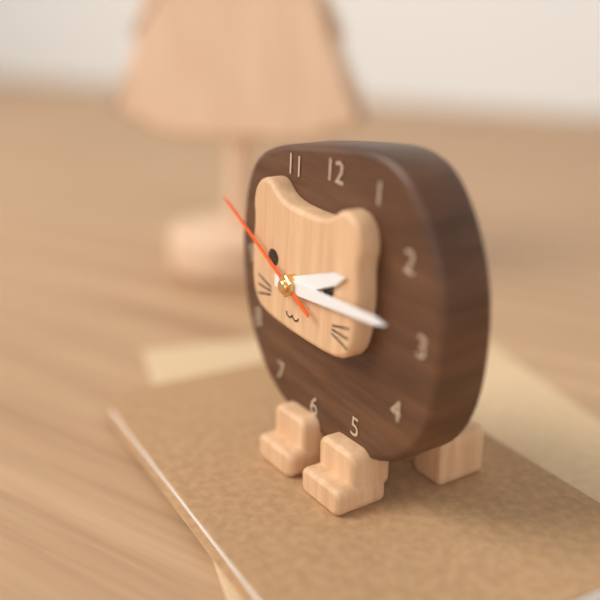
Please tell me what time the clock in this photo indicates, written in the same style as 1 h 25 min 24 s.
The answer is 2 h 14 min 49 s
